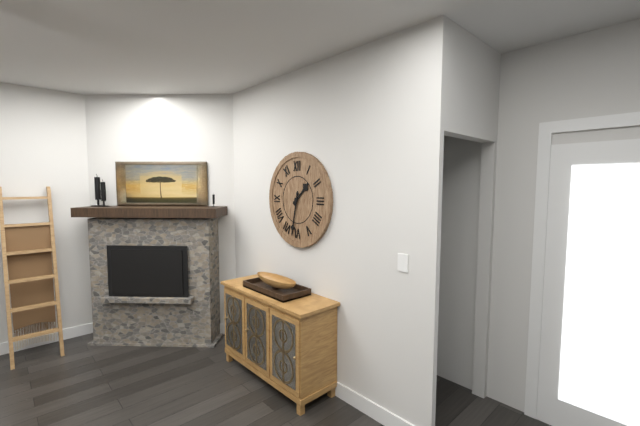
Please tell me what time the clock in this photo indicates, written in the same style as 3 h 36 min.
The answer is 1 h 32 min
